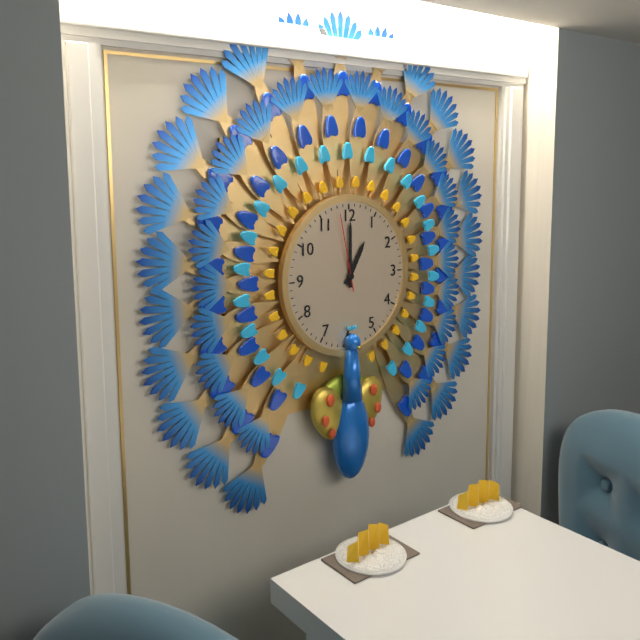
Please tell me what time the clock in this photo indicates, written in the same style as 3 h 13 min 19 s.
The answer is 1 h 00 min 58 s
